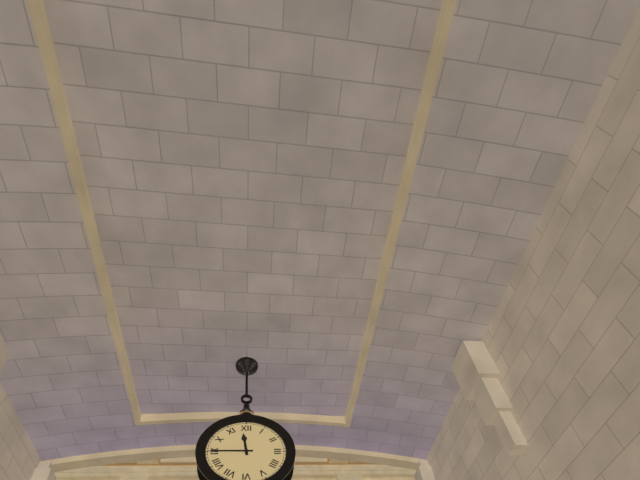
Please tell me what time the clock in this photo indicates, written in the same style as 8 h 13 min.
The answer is 11 h 45 min
